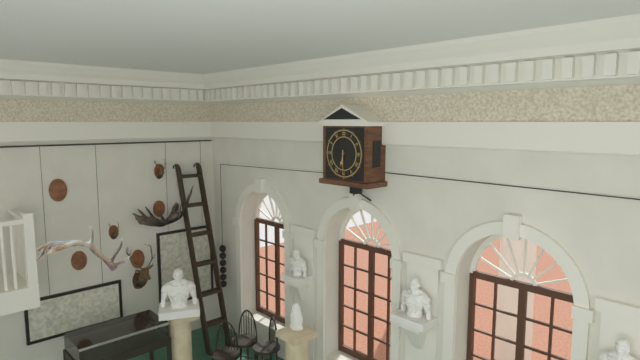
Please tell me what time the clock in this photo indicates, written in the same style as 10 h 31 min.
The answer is 6 h 30 min
